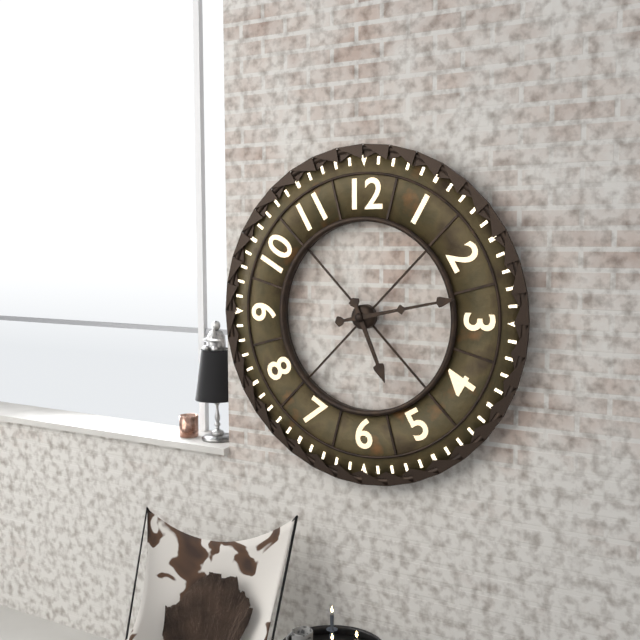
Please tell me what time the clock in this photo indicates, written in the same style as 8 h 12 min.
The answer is 5 h 13 min
